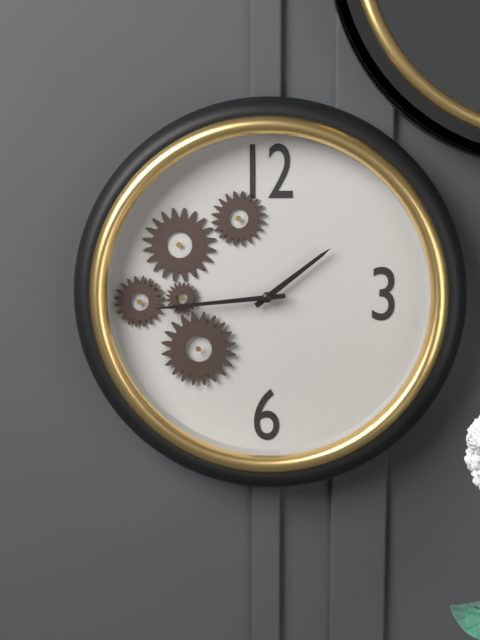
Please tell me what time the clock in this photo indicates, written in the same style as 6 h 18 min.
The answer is 1 h 44 min
